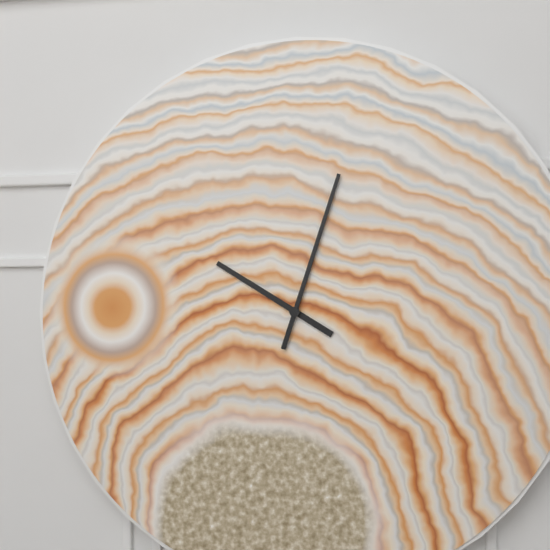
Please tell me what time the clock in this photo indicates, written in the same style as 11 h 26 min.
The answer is 10 h 03 min
